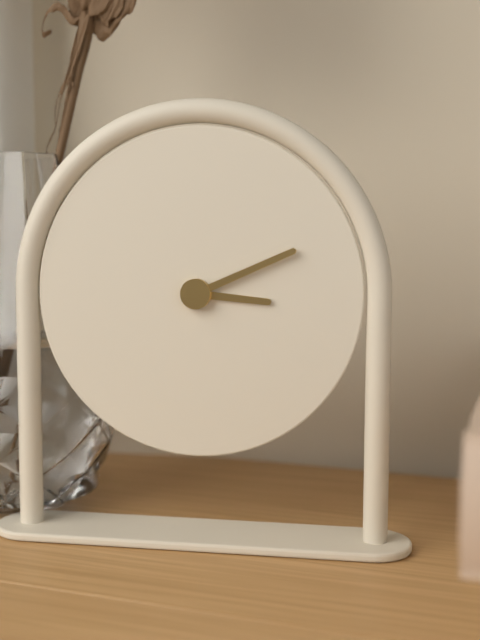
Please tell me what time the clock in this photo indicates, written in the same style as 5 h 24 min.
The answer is 3 h 11 min
